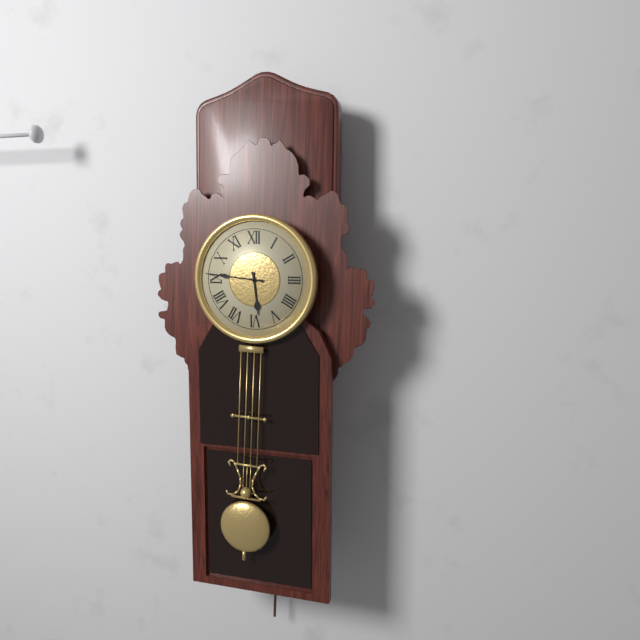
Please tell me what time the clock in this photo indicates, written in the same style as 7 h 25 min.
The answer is 5 h 46 min
